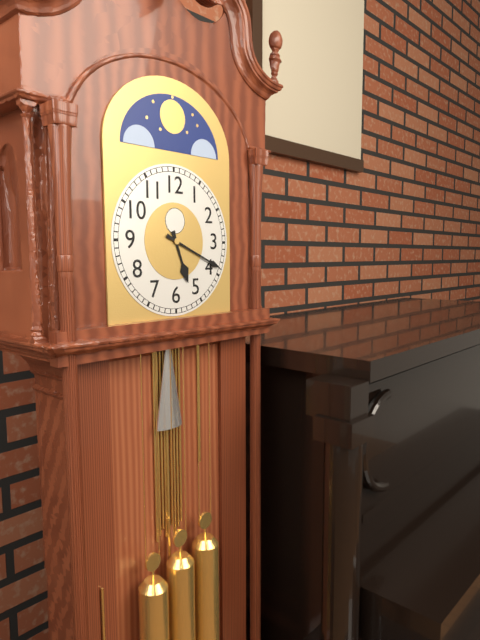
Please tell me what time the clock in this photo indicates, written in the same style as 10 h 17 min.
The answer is 5 h 19 min
